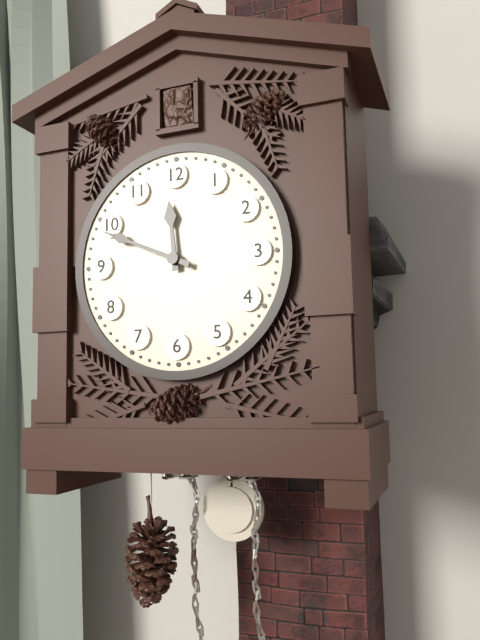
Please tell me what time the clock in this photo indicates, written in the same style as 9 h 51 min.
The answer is 11 h 49 min
